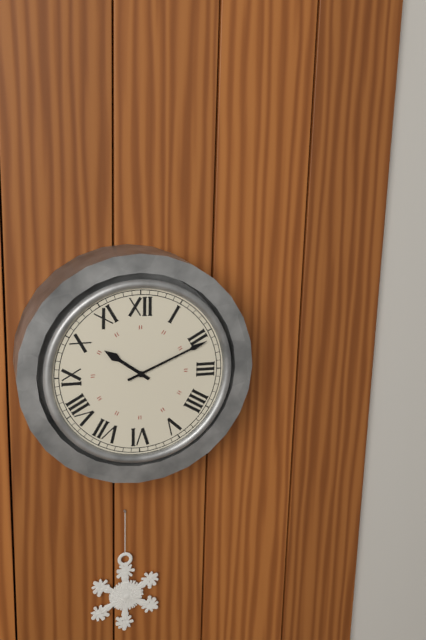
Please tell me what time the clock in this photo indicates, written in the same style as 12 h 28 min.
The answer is 10 h 11 min
